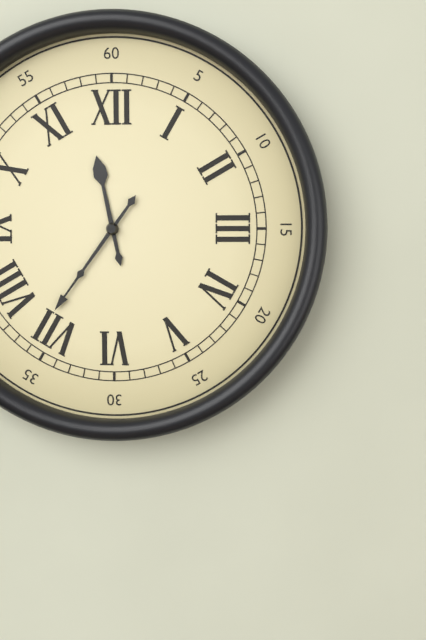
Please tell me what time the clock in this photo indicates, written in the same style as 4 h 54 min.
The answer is 11 h 36 min
